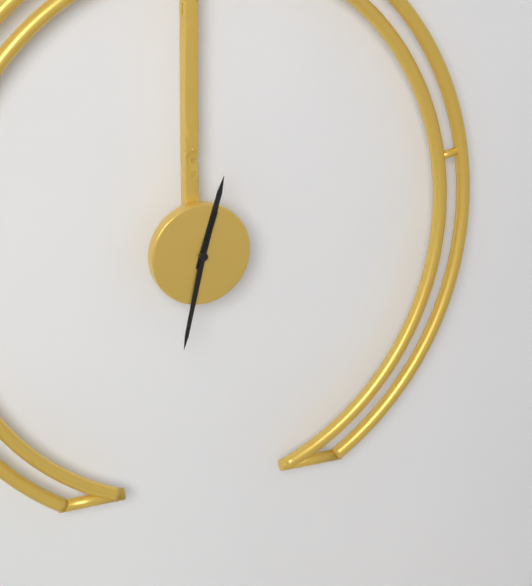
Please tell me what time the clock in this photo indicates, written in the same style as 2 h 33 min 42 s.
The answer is 12 h 32 min 03 s
